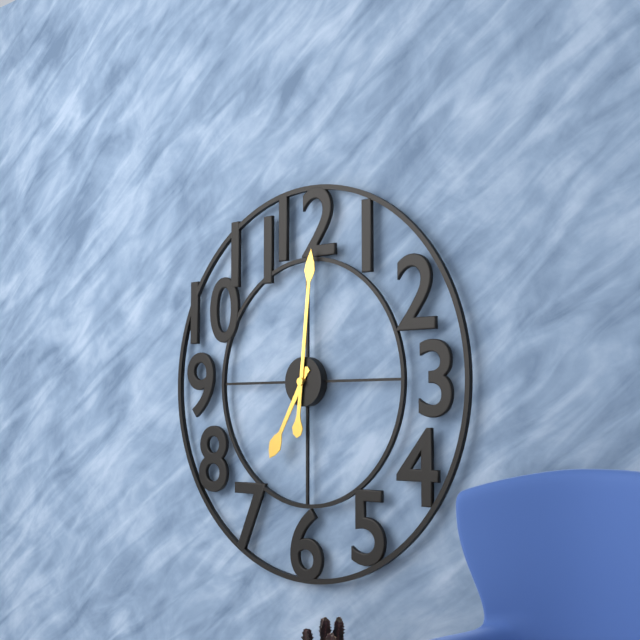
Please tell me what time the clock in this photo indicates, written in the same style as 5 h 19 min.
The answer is 7 h 01 min
